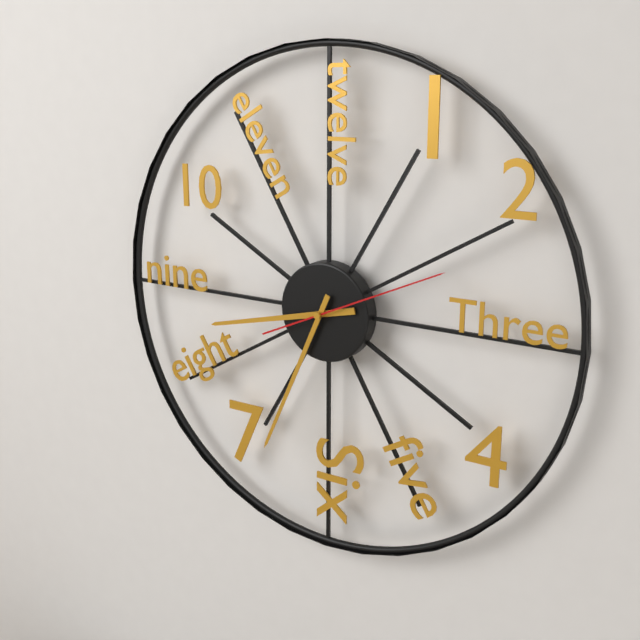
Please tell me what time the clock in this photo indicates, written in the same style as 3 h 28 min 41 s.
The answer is 8 h 34 min 11 s
